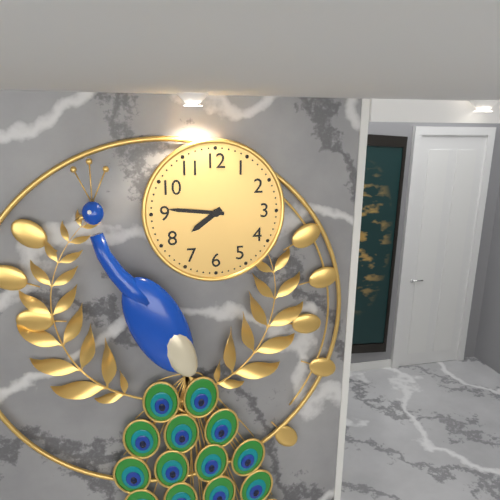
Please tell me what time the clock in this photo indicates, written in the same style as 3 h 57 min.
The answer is 7 h 46 min
